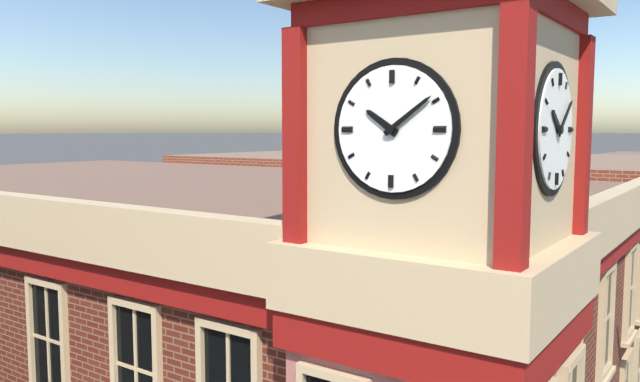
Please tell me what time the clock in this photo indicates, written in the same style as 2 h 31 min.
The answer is 10 h 09 min
